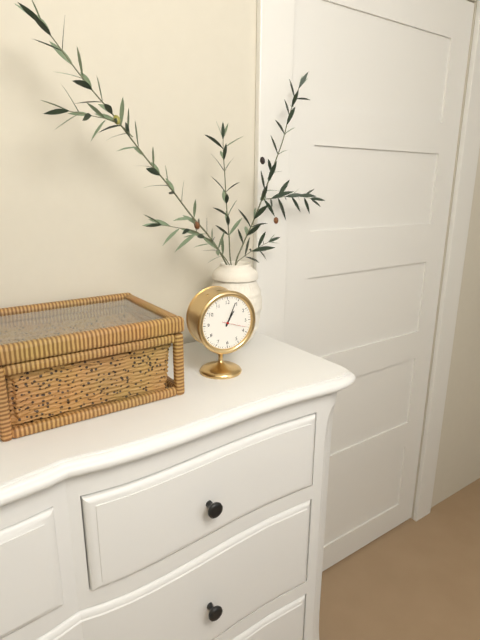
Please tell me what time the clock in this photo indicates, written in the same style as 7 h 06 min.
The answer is 1 h 04 min
